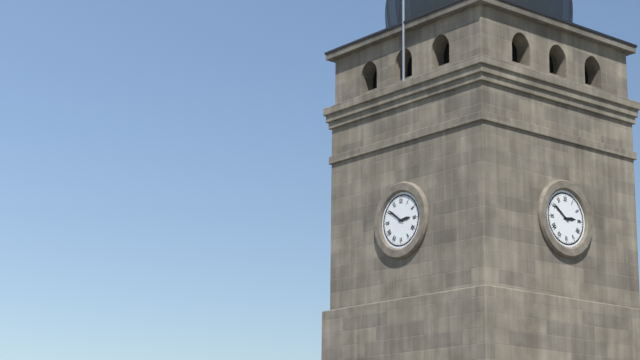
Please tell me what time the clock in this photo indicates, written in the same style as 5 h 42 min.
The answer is 2 h 51 min
